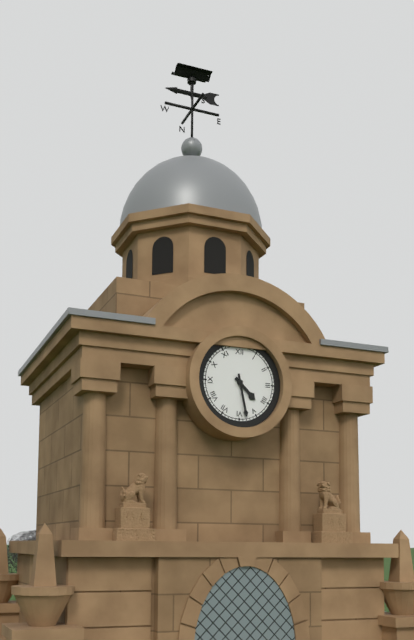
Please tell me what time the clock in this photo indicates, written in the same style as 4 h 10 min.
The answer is 4 h 28 min
